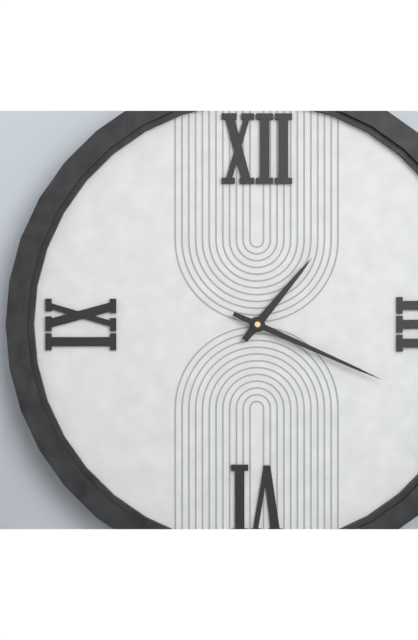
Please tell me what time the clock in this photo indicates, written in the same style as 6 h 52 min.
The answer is 1 h 19 min
